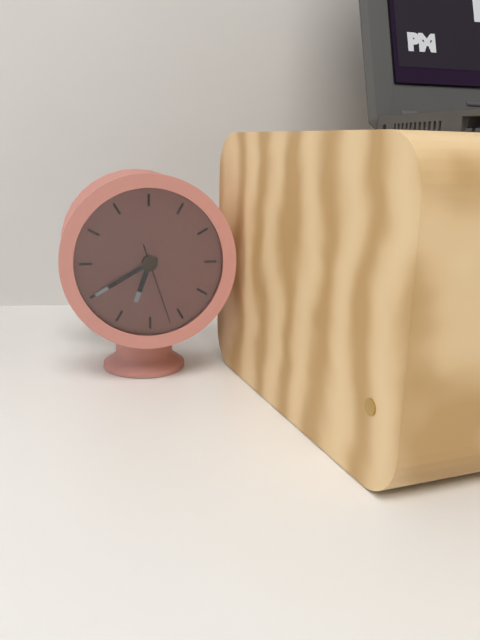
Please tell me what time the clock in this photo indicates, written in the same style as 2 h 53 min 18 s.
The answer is 6 h 40 min 27 s
